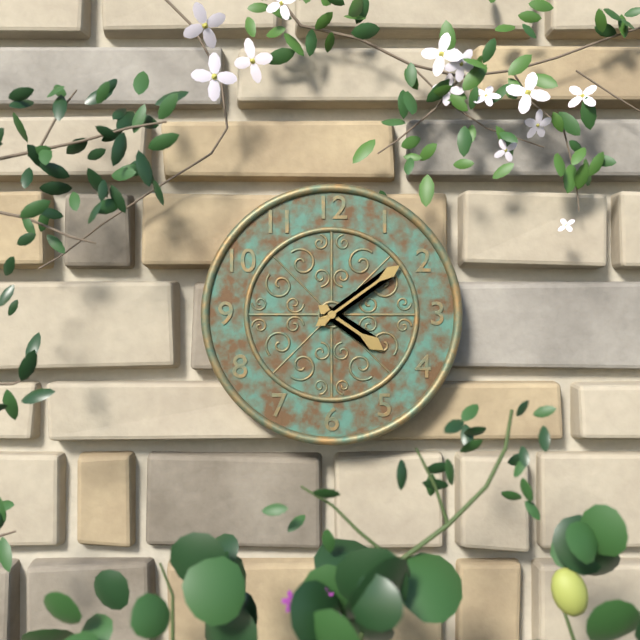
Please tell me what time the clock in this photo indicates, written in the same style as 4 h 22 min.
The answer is 4 h 09 min
